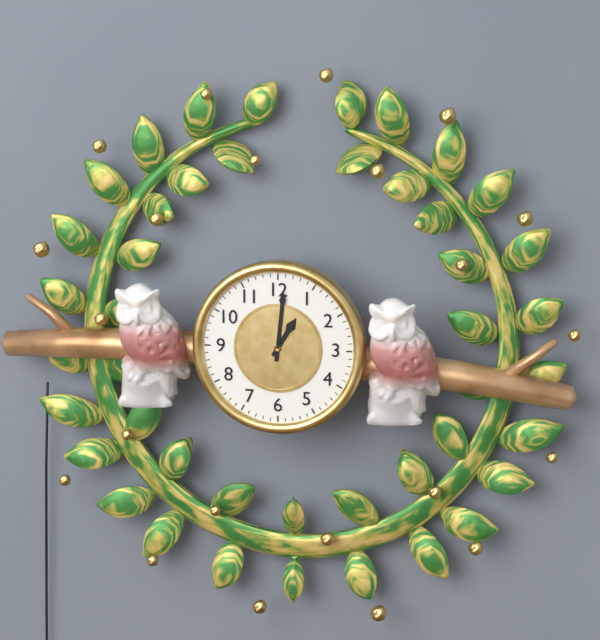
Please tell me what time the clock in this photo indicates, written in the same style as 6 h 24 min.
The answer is 1 h 01 min
